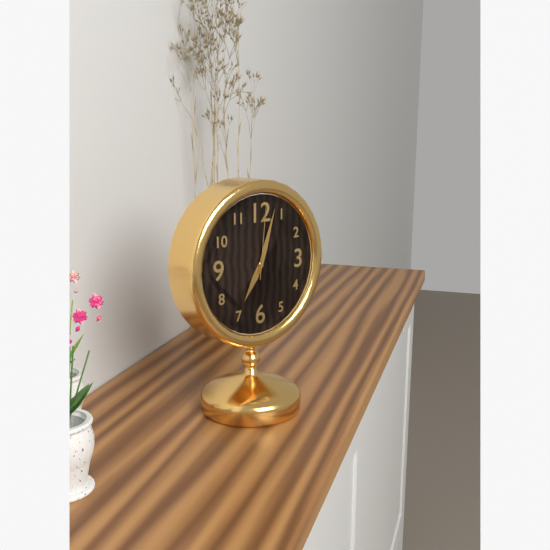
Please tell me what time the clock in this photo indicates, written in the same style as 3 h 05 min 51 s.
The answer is 7 h 03 min 01 s
